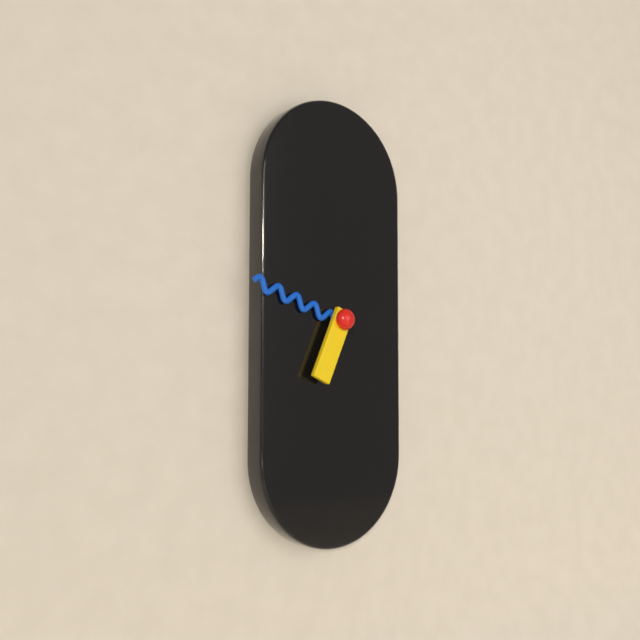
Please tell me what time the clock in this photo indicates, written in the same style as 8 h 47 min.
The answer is 6 h 48 min
